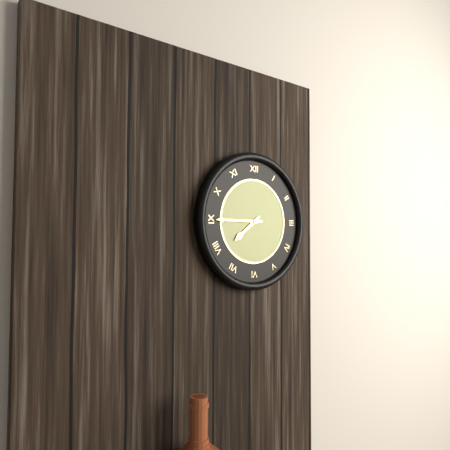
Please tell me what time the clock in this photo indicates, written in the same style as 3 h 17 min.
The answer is 7 h 45 min
